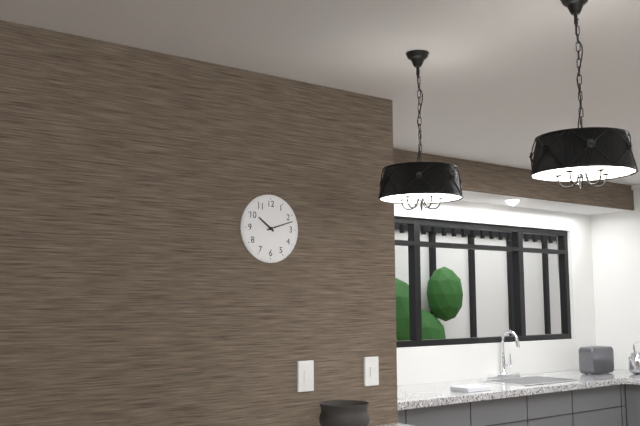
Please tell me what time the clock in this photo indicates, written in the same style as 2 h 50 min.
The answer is 10 h 12 min
